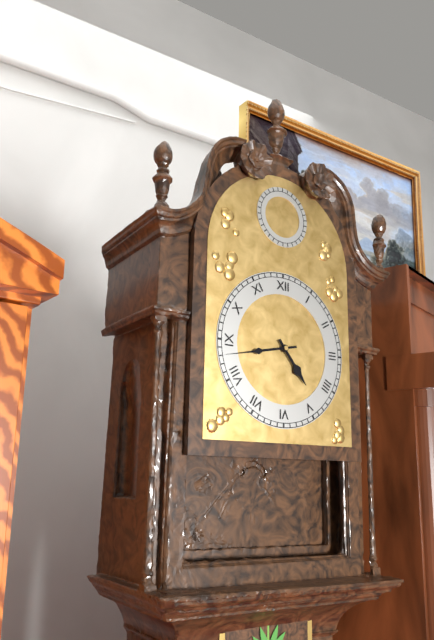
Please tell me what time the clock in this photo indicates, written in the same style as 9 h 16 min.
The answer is 4 h 43 min
